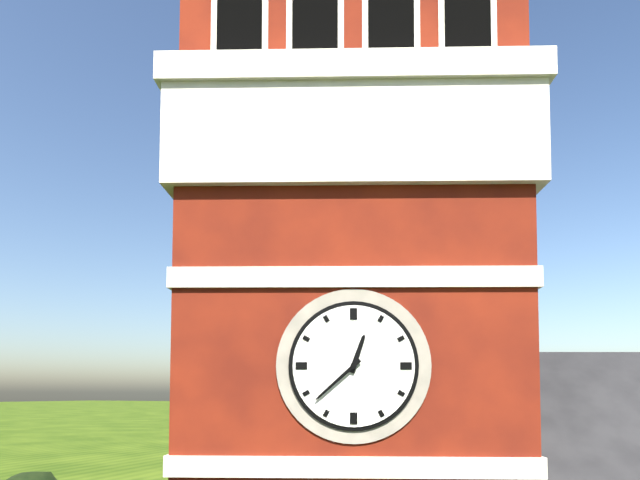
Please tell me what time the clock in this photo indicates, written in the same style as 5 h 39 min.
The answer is 12 h 38 min
